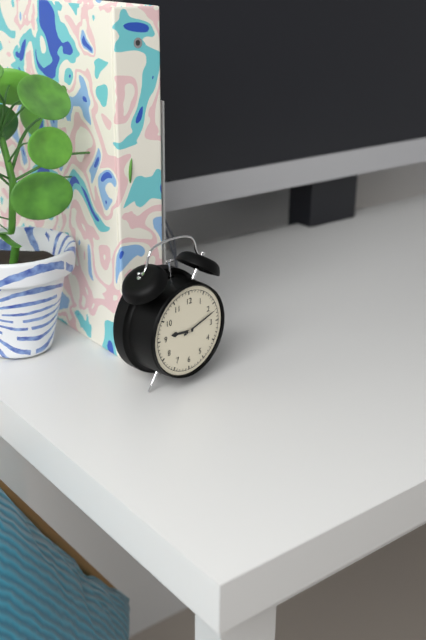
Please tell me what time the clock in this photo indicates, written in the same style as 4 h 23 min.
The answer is 9 h 12 min
